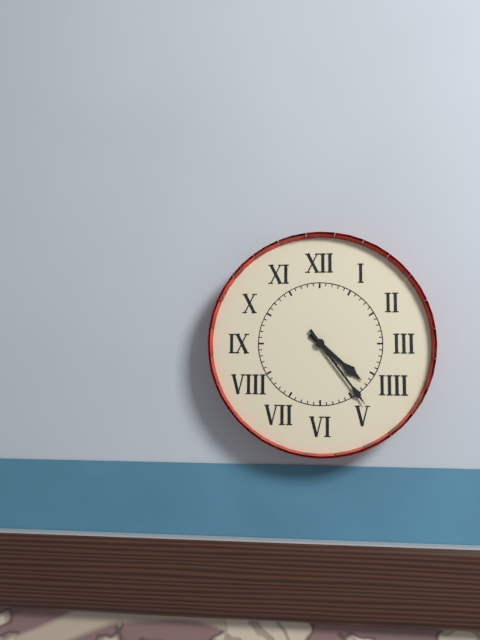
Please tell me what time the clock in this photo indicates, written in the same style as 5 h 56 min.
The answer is 4 h 24 min
